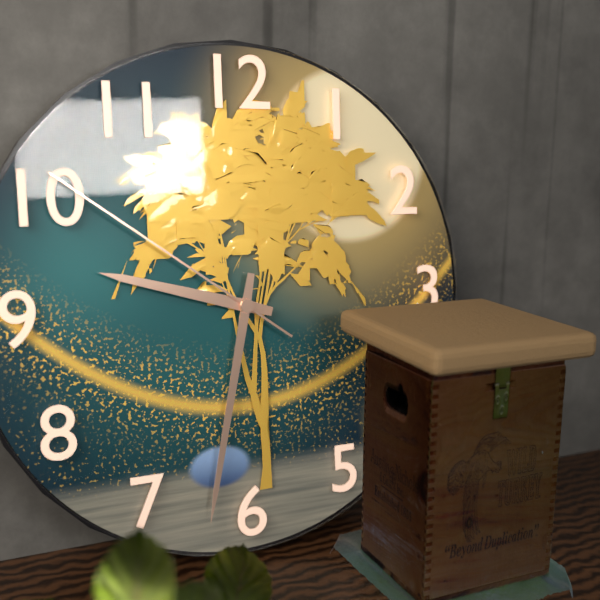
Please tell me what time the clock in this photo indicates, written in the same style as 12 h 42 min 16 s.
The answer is 9 h 32 min 51 s
